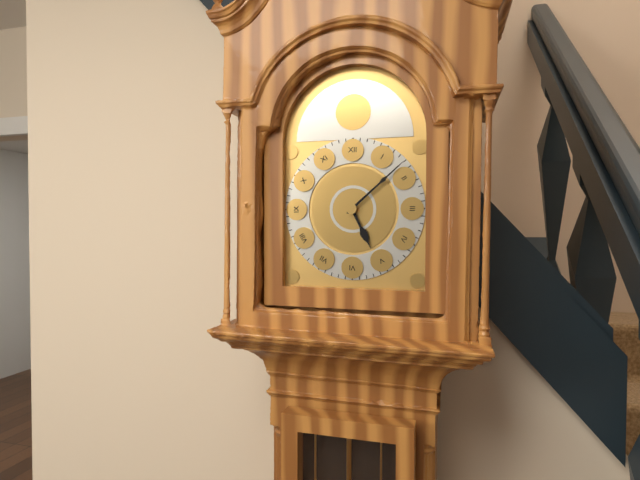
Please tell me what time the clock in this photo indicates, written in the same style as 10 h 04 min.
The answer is 5 h 08 min
